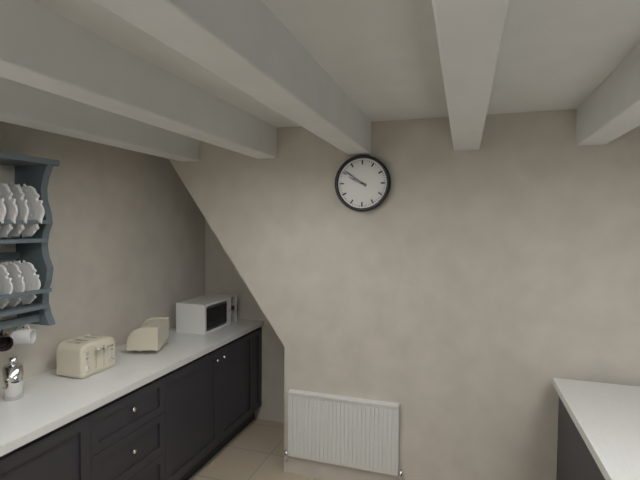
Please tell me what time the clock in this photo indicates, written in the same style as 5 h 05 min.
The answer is 9 h 51 min
